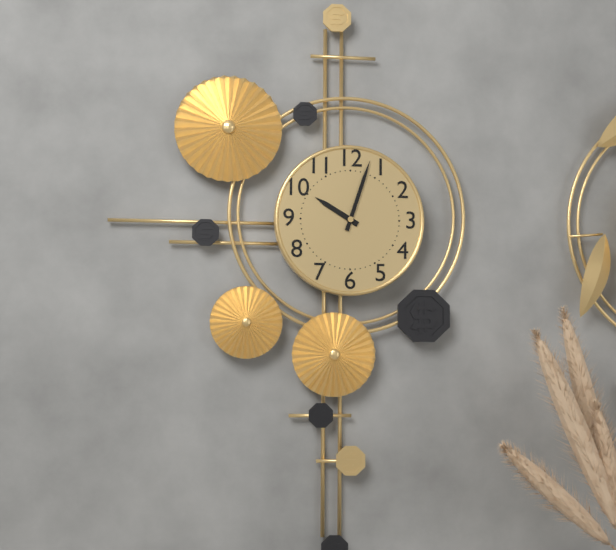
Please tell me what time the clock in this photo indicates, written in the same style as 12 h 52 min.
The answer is 10 h 03 min
